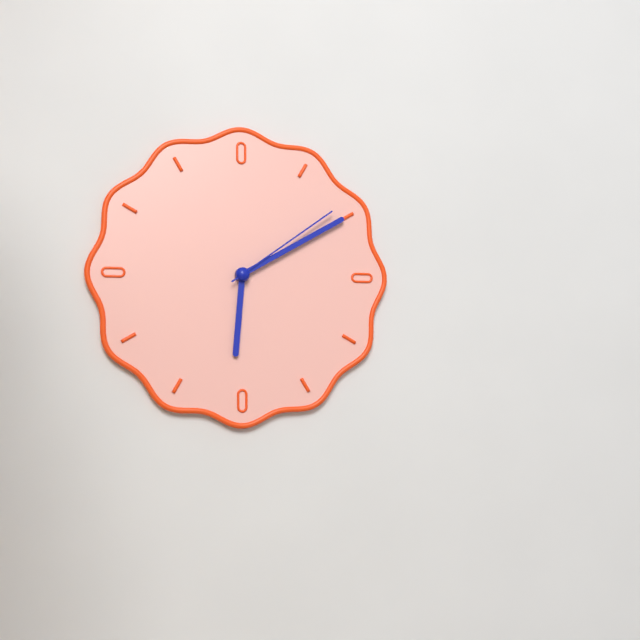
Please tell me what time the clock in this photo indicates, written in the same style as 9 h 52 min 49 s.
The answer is 6 h 10 min 09 s
